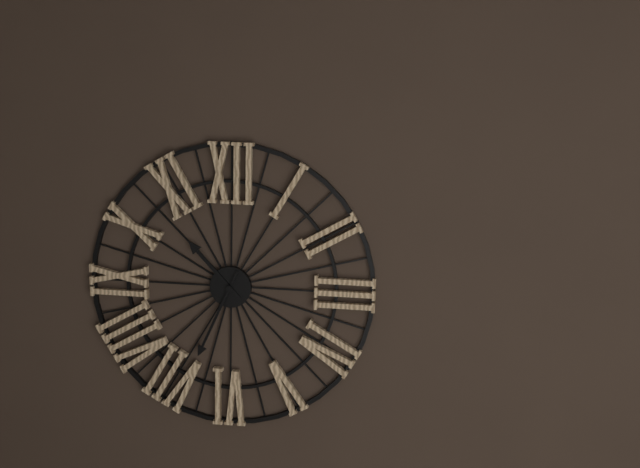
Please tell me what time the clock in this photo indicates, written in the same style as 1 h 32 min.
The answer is 10 h 34 min
